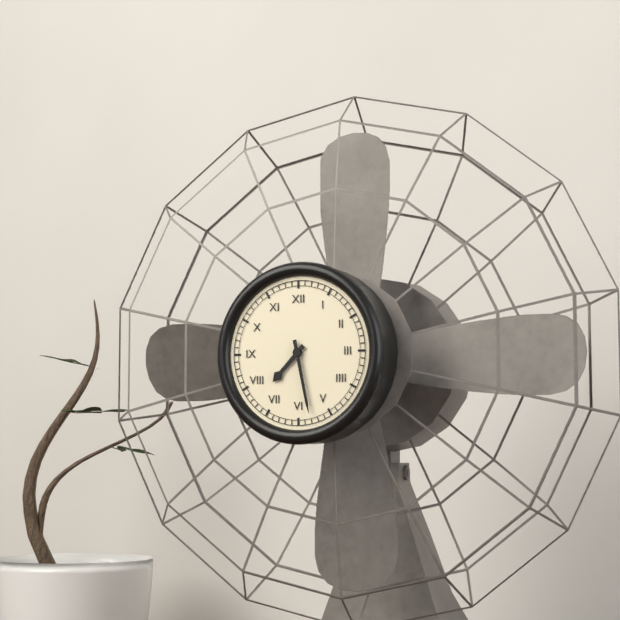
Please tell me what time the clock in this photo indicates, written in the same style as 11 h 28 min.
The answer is 7 h 28 min
